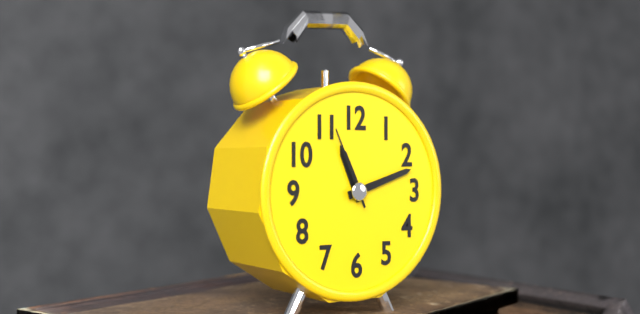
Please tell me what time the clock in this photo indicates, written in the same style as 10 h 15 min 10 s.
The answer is 11 h 12 min 56 s
